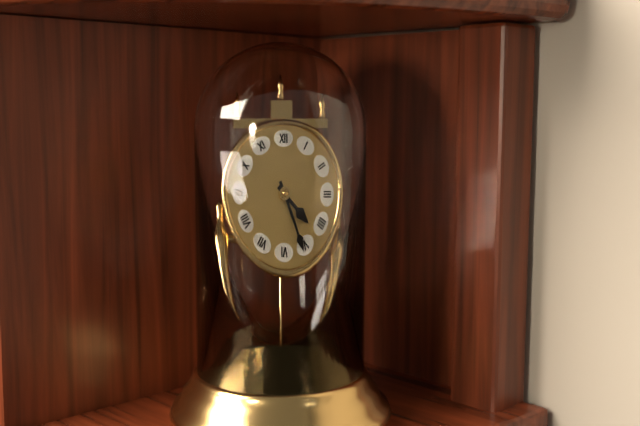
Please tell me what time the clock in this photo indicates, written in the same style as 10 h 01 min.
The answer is 4 h 26 min
